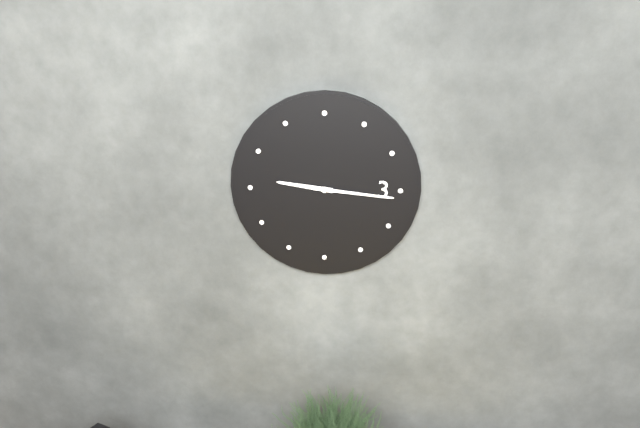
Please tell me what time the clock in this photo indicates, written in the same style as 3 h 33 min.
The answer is 9 h 16 min
